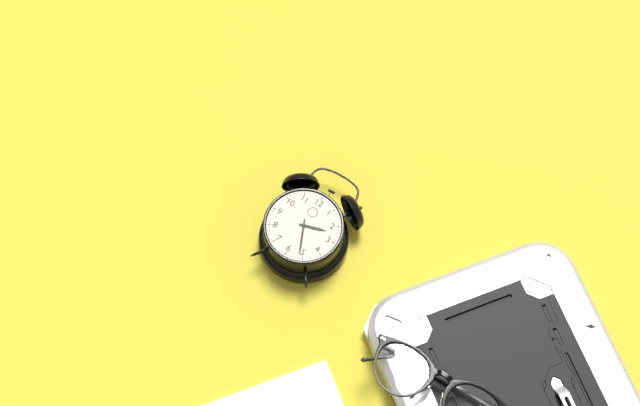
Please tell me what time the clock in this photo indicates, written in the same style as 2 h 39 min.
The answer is 2 h 26 min
